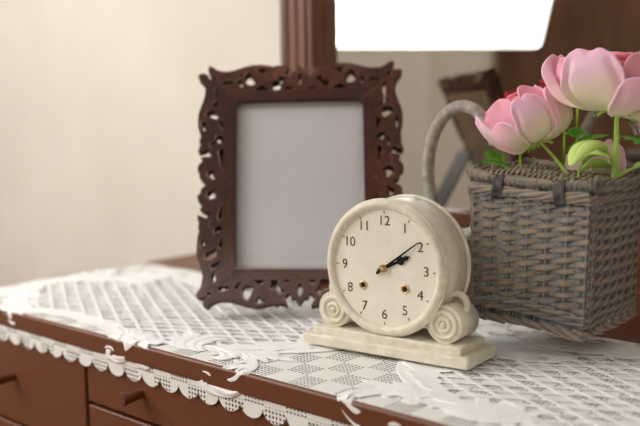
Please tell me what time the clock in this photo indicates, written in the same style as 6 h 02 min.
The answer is 2 h 09 min
